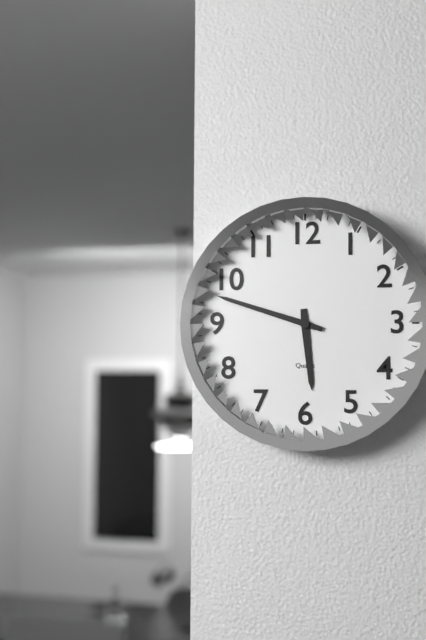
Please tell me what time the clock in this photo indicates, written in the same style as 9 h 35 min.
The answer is 5 h 48 min
